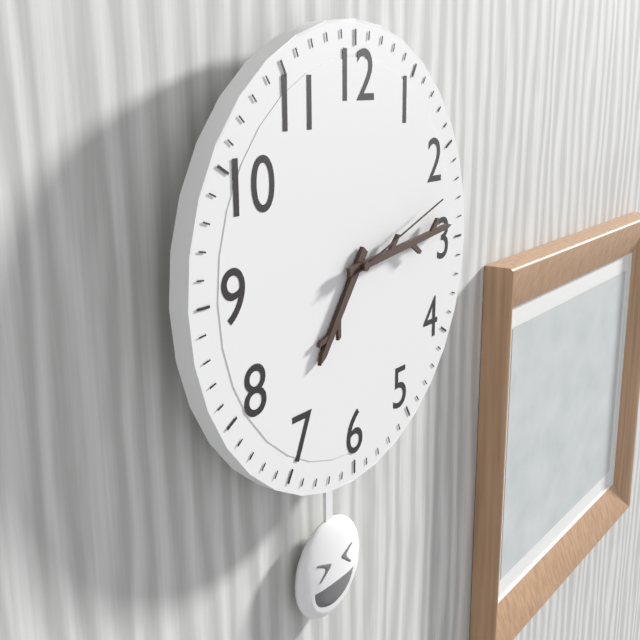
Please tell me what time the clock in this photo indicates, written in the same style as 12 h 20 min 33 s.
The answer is 7 h 14 min 12 s
